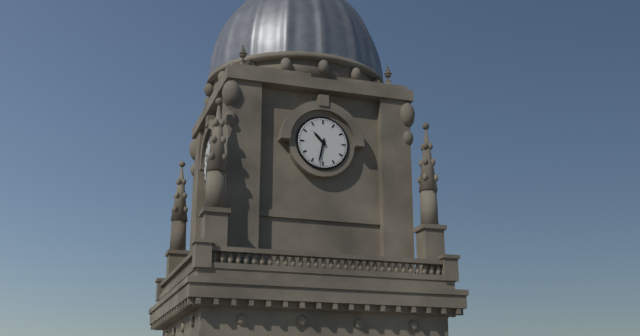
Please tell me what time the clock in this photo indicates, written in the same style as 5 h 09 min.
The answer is 10 h 32 min
